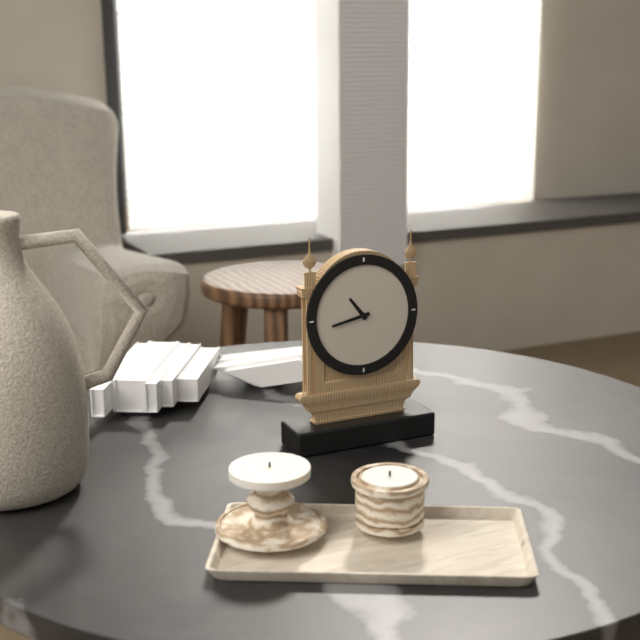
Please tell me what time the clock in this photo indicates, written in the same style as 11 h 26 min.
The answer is 10 h 43 min
